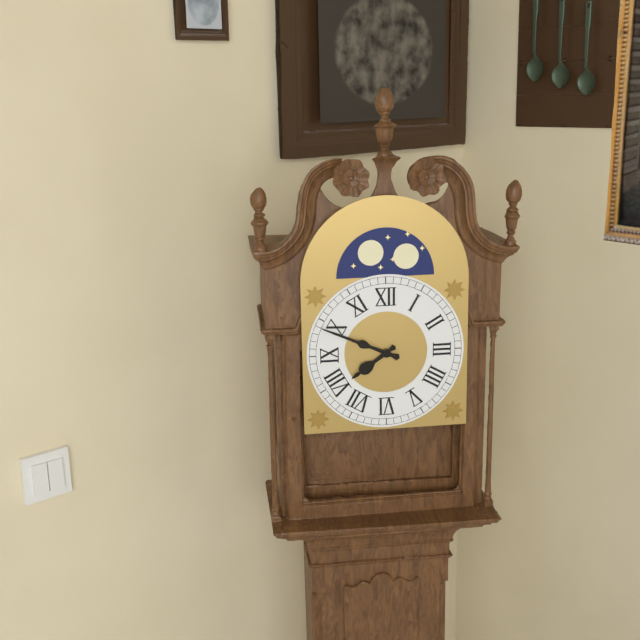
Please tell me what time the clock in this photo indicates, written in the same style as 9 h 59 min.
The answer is 7 h 49 min
